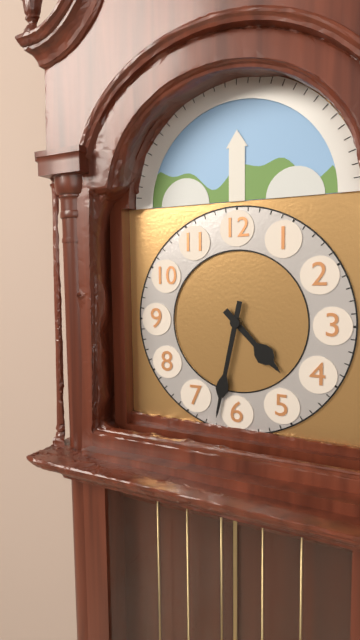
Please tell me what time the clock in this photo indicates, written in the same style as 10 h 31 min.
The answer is 4 h 32 min
